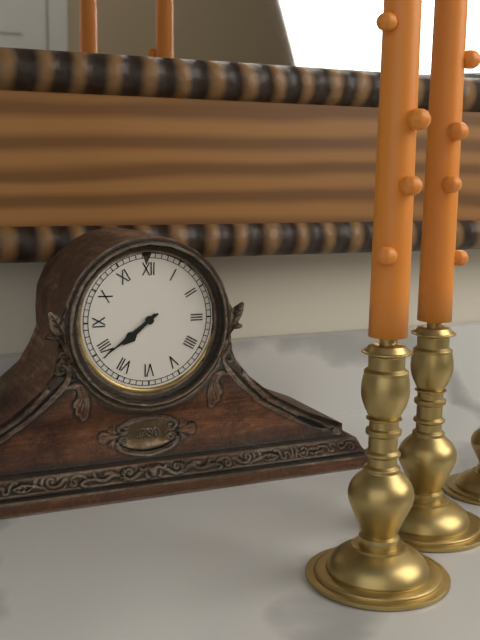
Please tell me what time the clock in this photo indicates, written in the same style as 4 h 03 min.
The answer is 7 h 39 min
